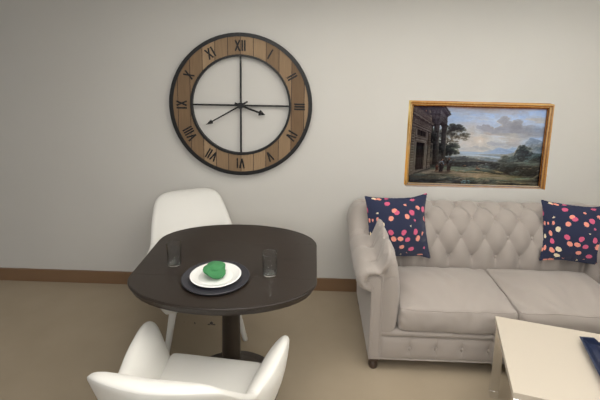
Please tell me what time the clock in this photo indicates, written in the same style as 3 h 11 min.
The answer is 3 h 40 min
